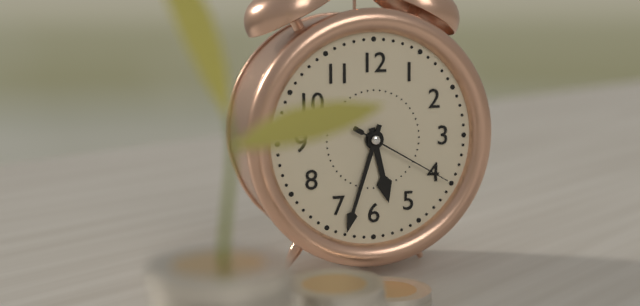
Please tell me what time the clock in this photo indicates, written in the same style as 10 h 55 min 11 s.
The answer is 5 h 33 min 20 s
